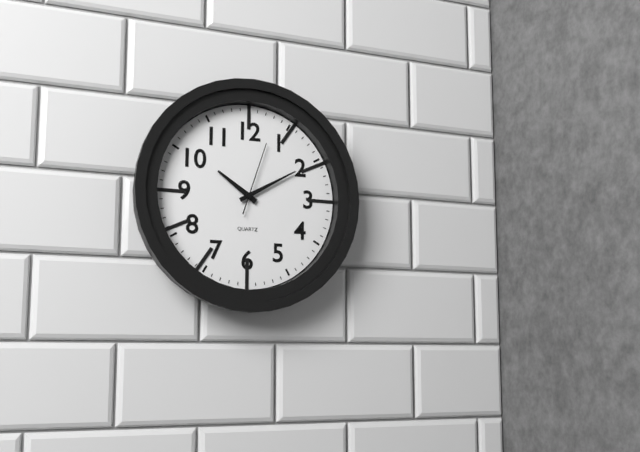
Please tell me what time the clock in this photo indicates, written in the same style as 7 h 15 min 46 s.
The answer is 10 h 10 min 03 s
